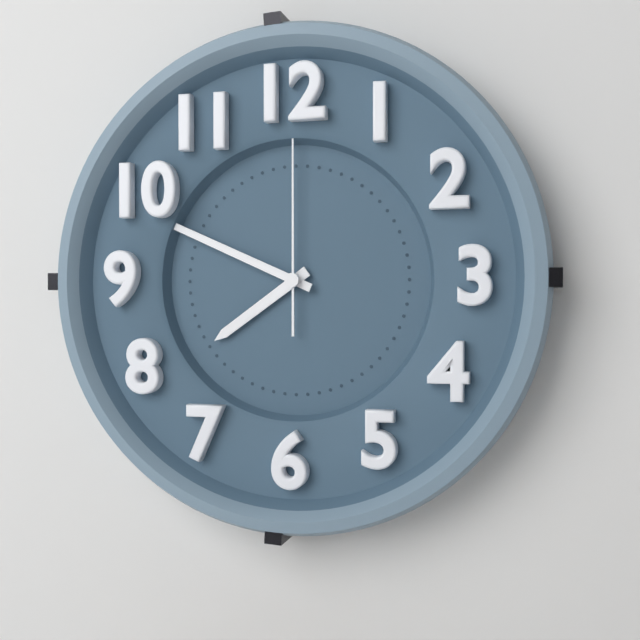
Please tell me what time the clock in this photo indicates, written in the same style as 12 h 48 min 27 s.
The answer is 7 h 49 min 00 s
